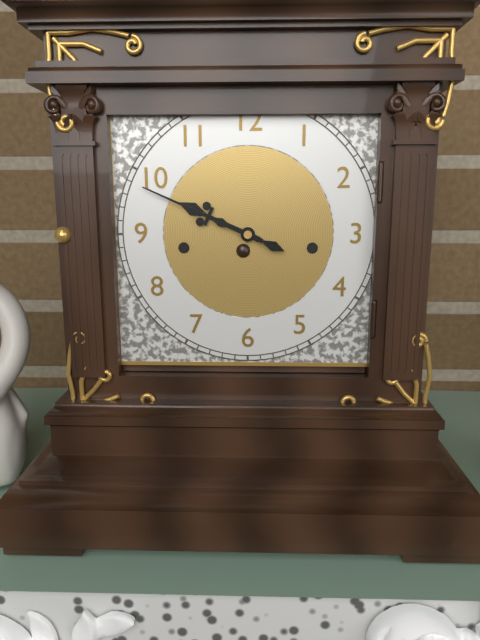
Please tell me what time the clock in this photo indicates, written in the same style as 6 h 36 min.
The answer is 9 h 49 min
